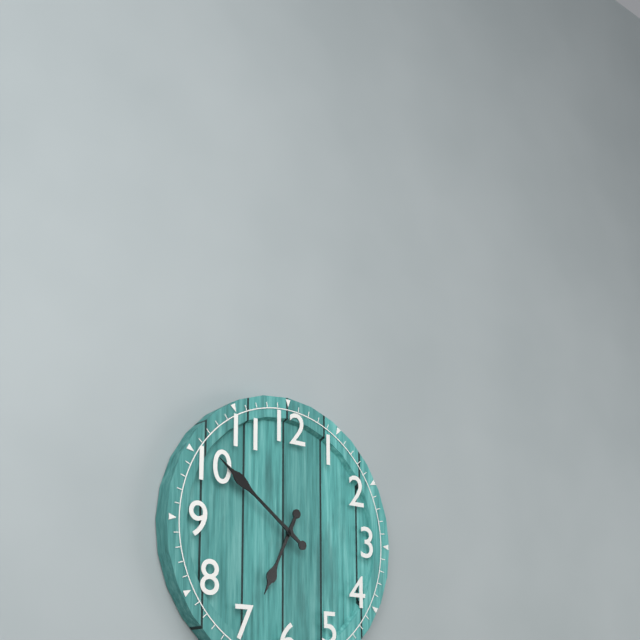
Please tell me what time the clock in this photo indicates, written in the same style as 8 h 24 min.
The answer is 6 h 51 min
